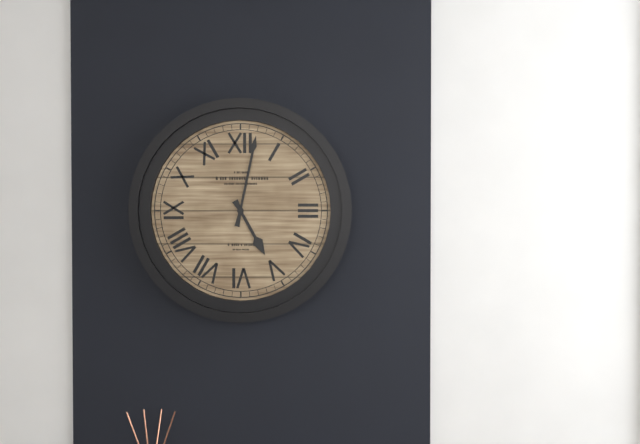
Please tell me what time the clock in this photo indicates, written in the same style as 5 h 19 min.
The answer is 5 h 02 min
